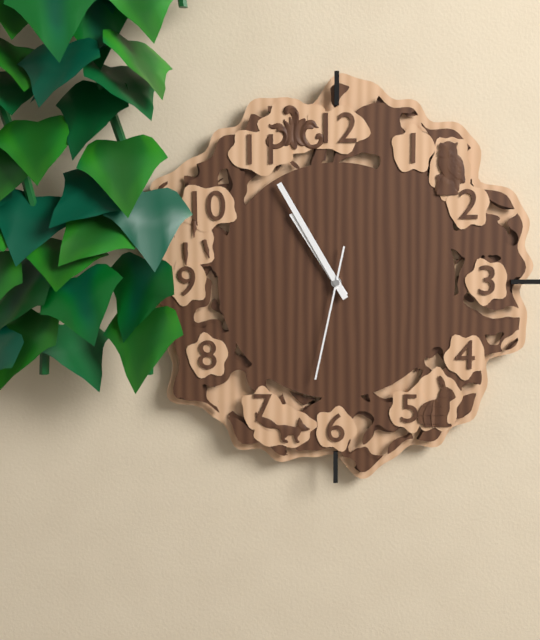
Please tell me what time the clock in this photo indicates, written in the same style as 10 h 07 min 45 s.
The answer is 10 h 55 min 32 s
